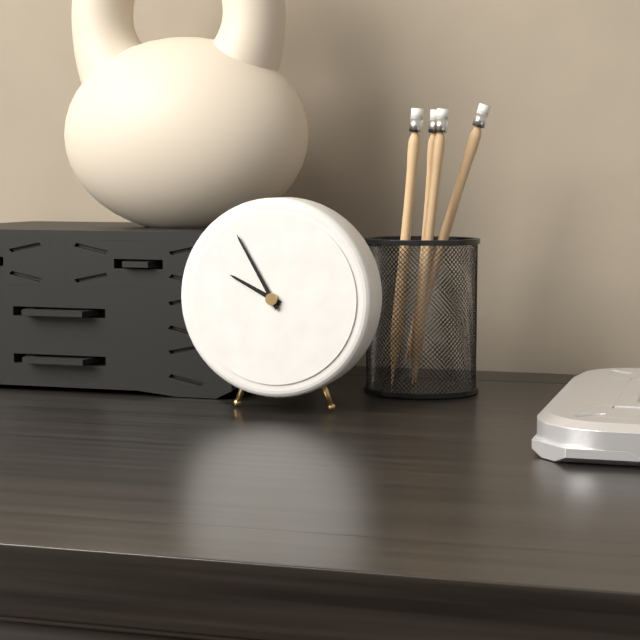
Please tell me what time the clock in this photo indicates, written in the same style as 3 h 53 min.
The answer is 9 h 55 min
